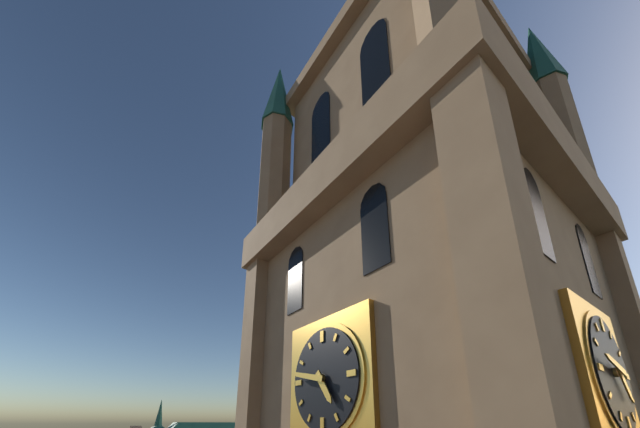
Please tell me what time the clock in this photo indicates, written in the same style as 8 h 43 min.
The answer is 4 h 47 min
